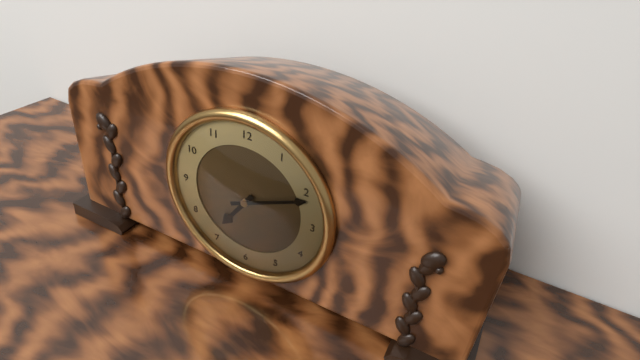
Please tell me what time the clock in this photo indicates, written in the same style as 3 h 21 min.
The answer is 7 h 11 min
